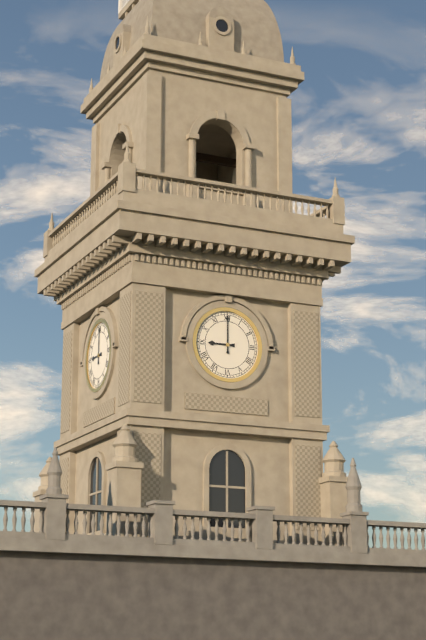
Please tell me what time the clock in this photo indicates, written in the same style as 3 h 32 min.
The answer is 9 h 00 min
